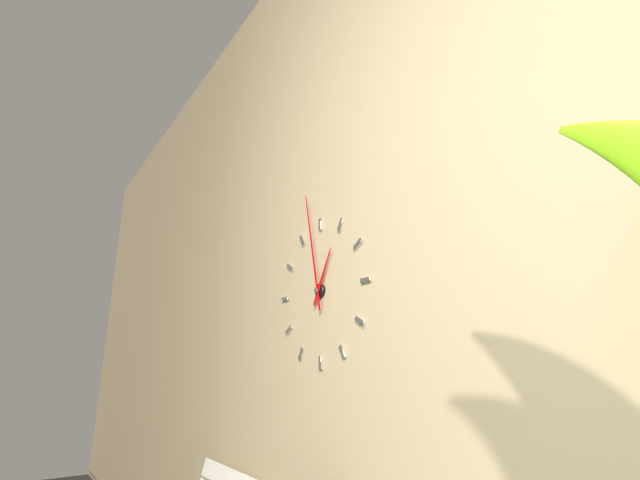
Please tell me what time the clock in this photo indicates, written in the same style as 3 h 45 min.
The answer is 12 h 58 min
